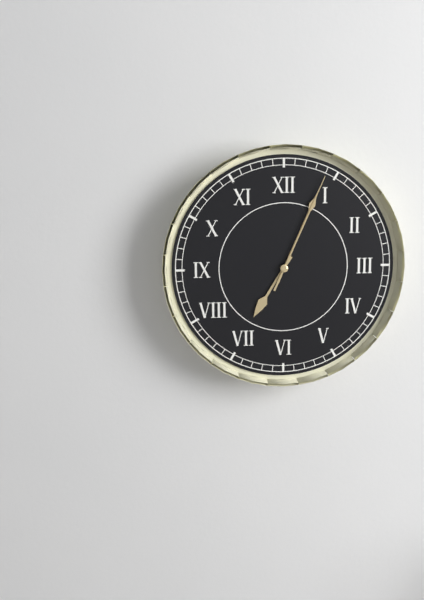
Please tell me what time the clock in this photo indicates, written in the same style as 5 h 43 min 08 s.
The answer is 7 h 04 min 04 s
